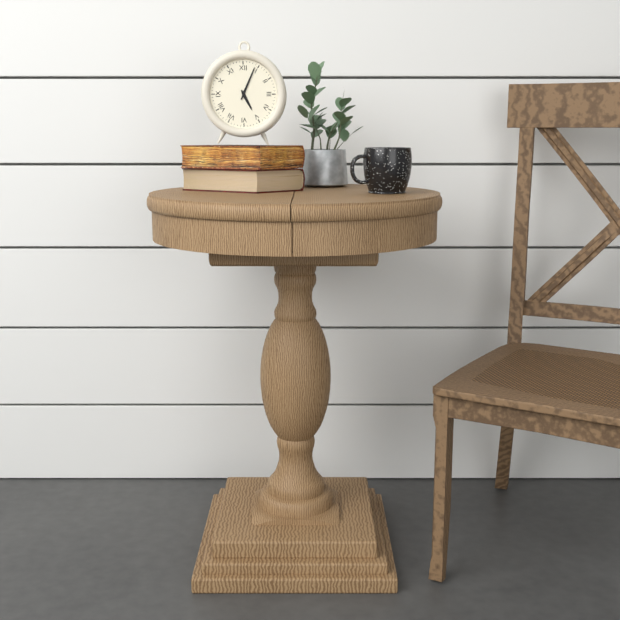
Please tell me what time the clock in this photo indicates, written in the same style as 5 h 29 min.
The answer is 5 h 04 min
